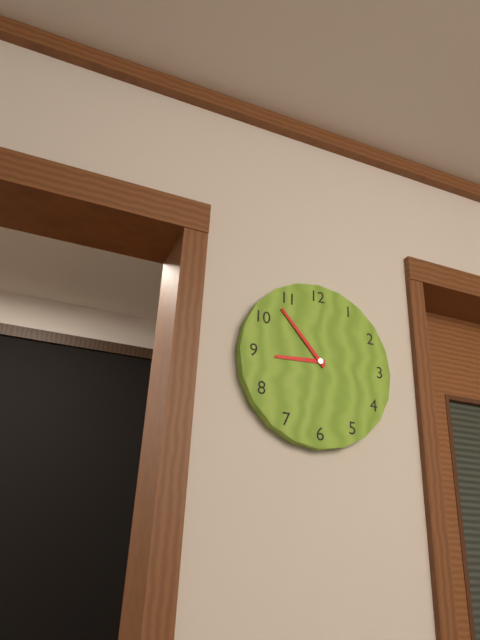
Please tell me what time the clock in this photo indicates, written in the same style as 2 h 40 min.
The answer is 8 h 53 min
